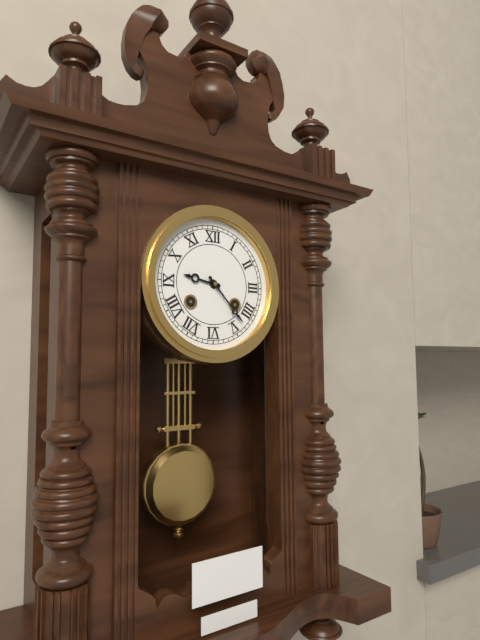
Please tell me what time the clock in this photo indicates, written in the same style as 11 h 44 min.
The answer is 9 h 23 min
